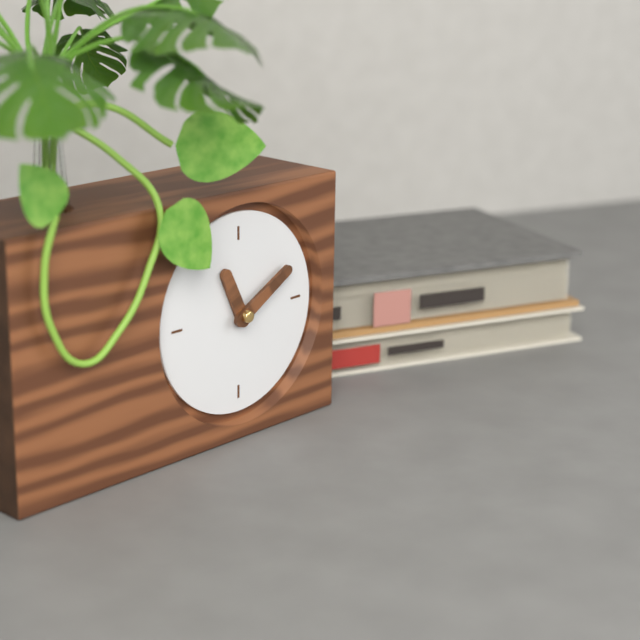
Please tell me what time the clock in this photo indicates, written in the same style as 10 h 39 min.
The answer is 11 h 10 min
